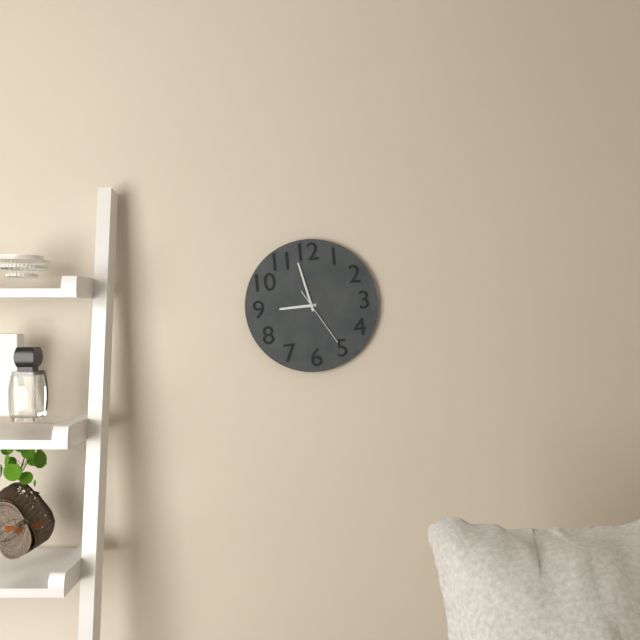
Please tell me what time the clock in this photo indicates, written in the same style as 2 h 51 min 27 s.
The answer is 8 h 58 min 25 s
